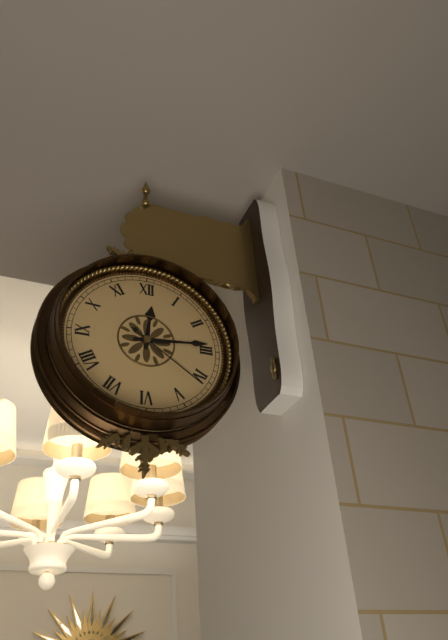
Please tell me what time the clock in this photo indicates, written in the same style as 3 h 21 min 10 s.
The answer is 12 h 14 min 21 s
